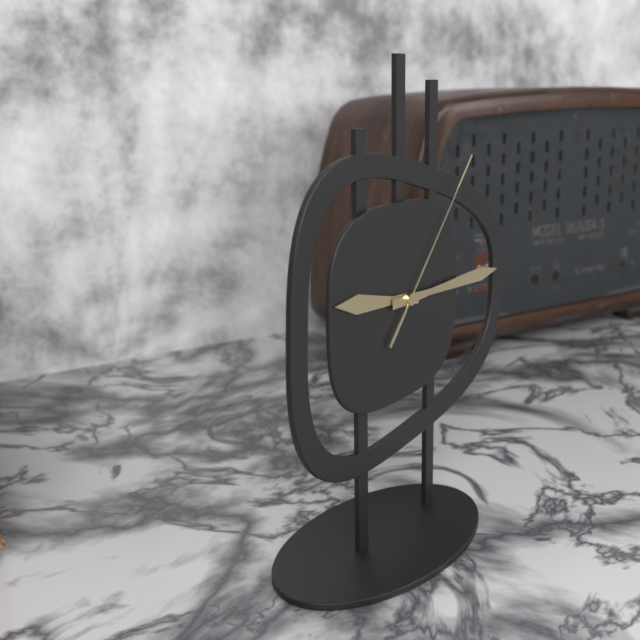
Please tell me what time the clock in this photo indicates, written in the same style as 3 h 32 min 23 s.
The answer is 9 h 15 min 07 s
